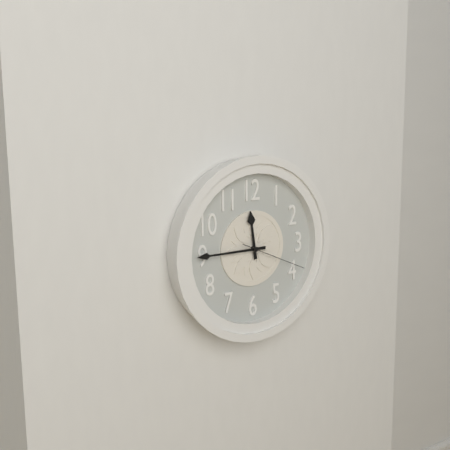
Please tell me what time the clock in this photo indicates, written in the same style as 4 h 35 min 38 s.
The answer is 11 h 45 min 19 s
